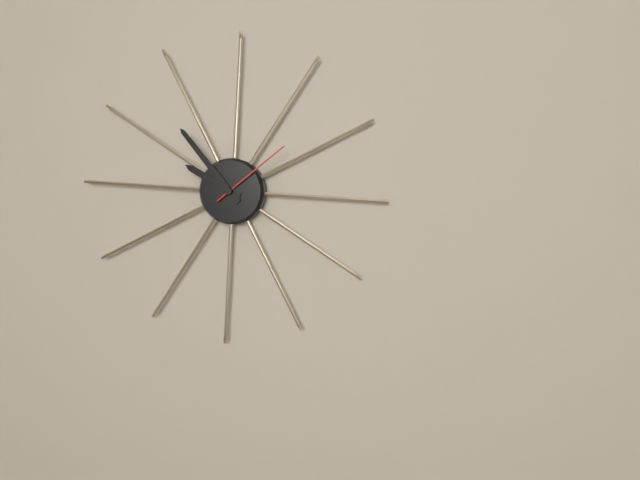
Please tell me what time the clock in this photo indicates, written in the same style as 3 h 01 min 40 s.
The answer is 9 h 53 min 08 s
